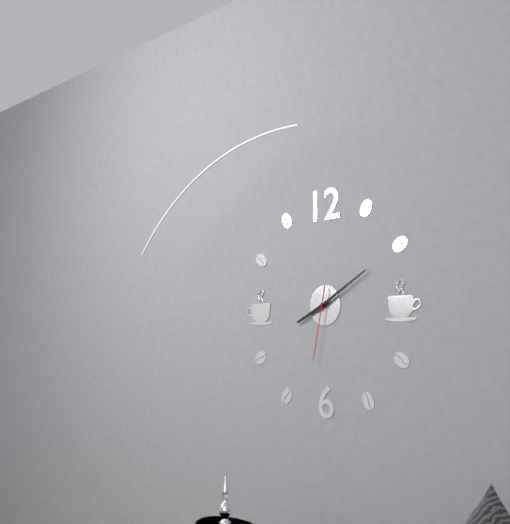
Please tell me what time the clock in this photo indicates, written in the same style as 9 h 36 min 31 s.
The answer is 8 h 10 min 32 s
